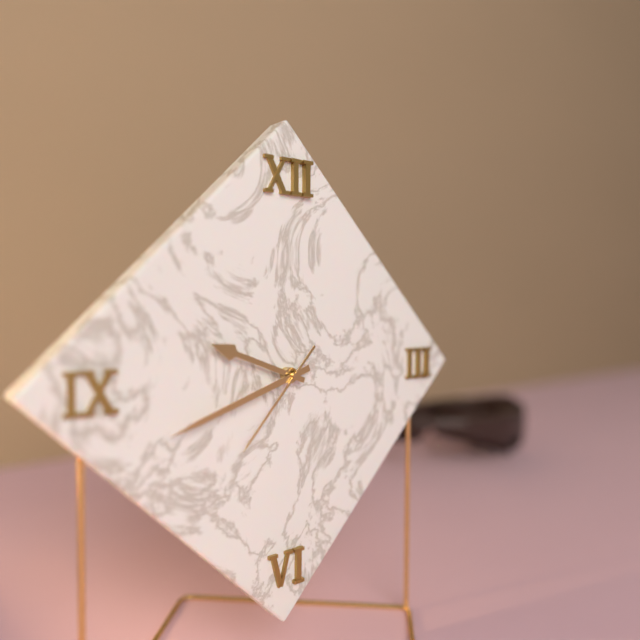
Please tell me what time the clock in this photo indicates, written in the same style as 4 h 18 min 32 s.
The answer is 9 h 42 min 37 s
